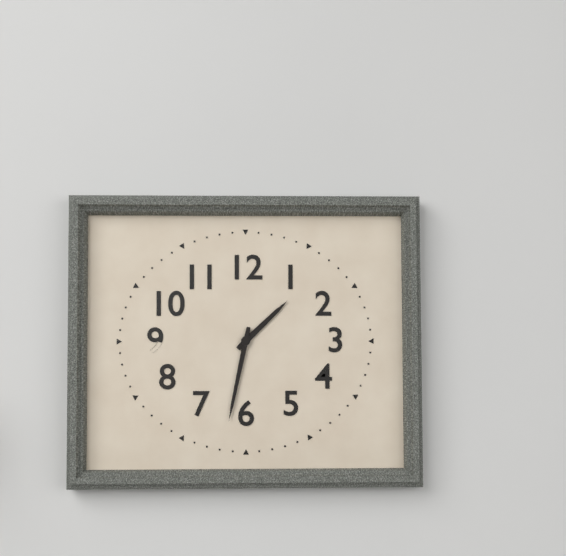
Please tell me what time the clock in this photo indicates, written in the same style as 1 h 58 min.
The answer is 1 h 32 min
